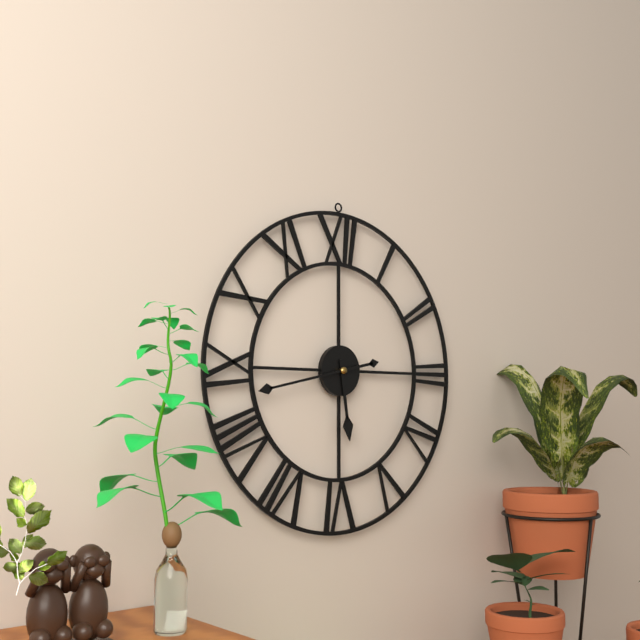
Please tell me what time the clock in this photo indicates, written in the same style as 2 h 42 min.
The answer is 5 h 43 min
